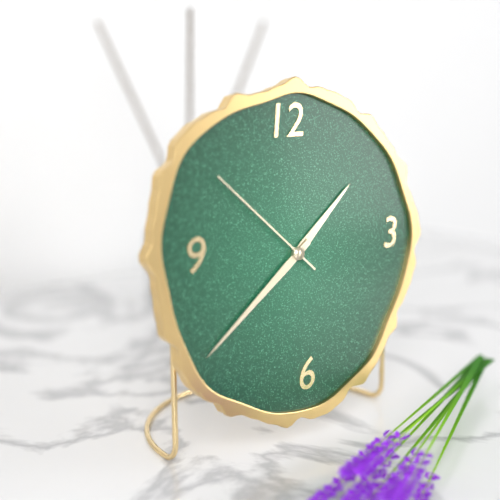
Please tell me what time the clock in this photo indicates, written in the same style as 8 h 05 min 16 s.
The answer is 1 h 39 min 52 s
